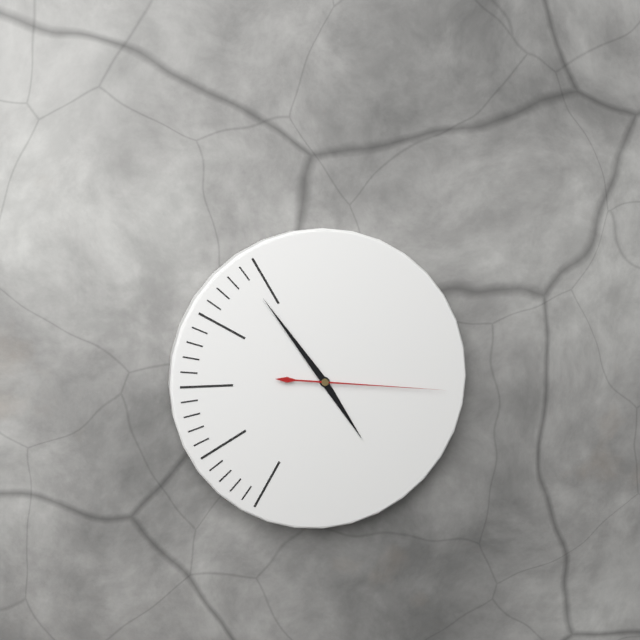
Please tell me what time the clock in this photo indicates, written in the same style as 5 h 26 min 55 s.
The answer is 4 h 54 min 16 s
